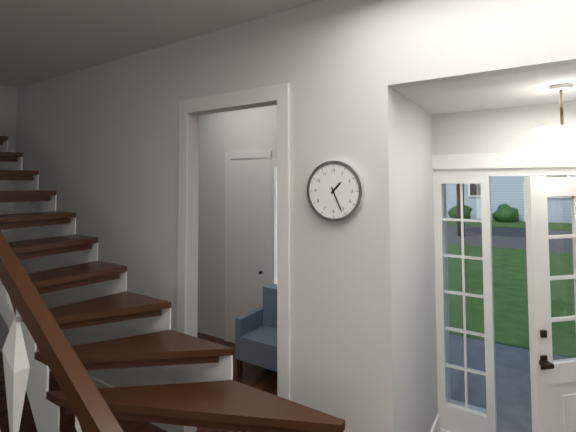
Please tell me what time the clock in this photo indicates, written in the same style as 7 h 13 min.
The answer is 1 h 26 min
